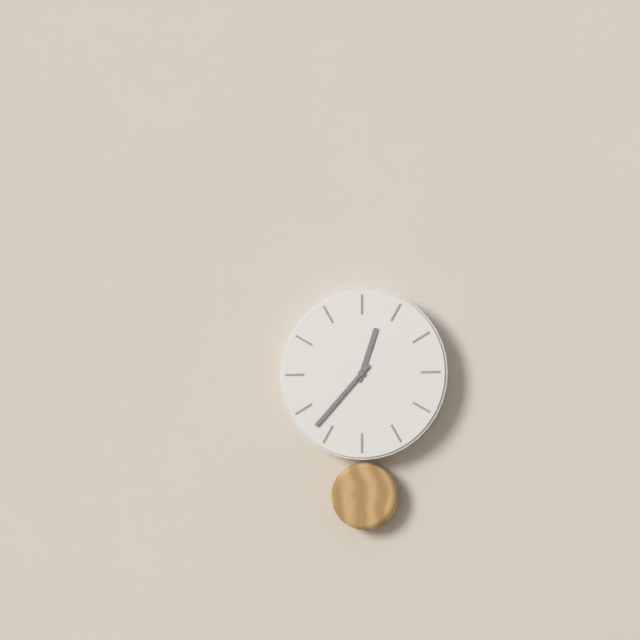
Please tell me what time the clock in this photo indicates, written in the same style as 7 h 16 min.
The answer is 12 h 37 min
